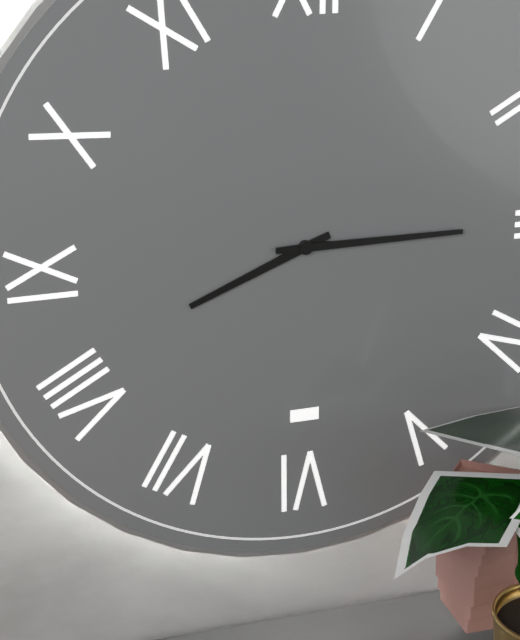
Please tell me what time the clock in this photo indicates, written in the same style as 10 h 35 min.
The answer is 8 h 15 min
